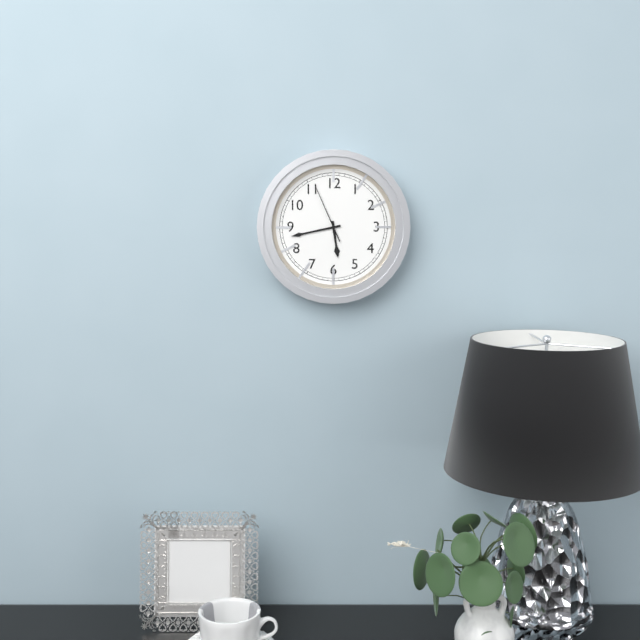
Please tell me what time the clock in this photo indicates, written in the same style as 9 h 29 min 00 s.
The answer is 5 h 43 min 56 s
